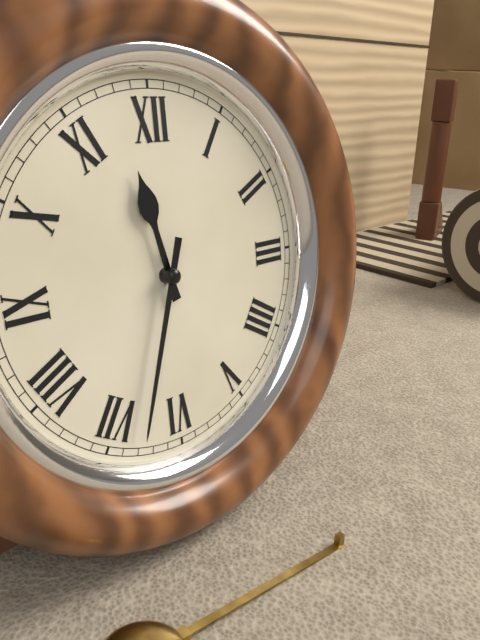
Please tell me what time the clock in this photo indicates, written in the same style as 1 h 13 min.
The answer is 11 h 33 min
